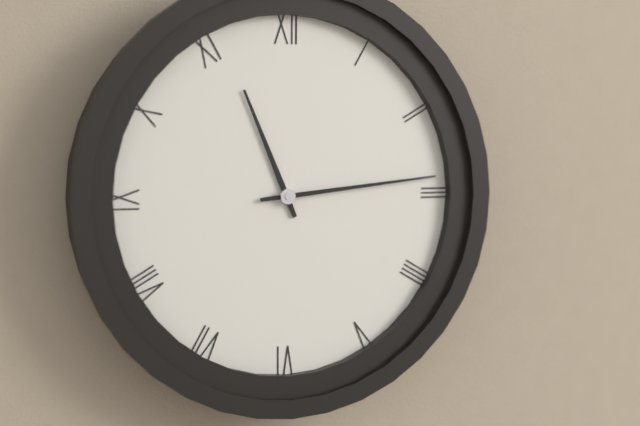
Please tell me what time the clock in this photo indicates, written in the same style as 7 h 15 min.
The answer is 11 h 14 min
